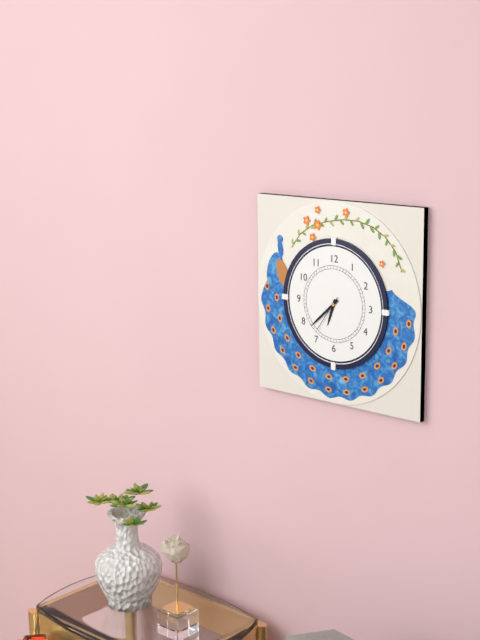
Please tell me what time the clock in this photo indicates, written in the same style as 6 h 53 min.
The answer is 6 h 38 min
